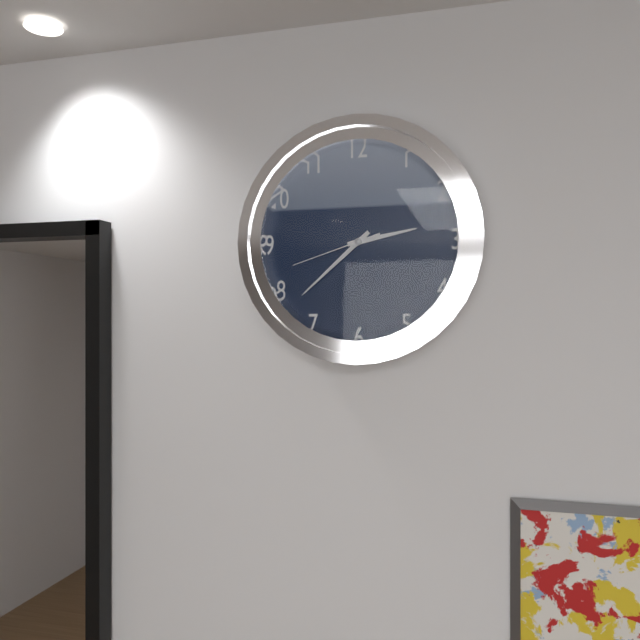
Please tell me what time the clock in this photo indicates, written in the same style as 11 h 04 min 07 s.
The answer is 2 h 38 min 42 s
